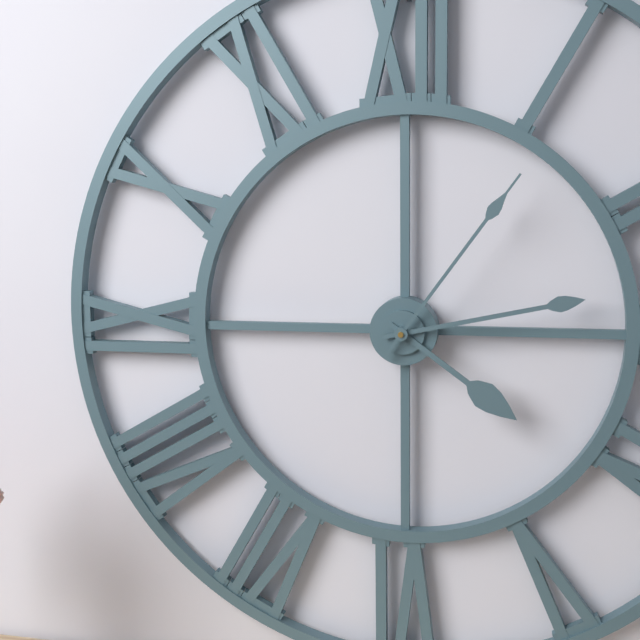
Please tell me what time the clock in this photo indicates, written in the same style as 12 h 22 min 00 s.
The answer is 4 h 13 min 06 s
